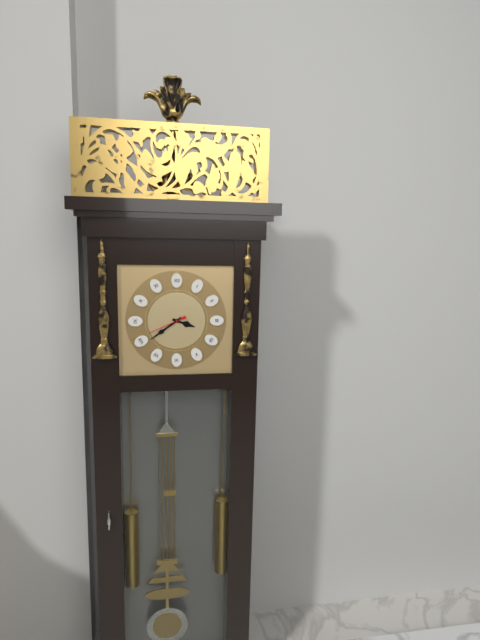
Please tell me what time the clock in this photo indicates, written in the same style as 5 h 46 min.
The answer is 3 h 39 min
